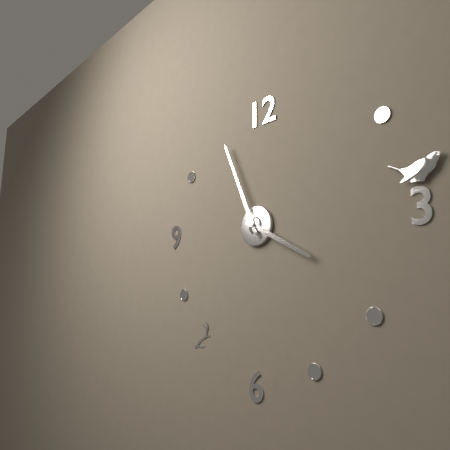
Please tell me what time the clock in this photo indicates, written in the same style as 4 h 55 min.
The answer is 3 h 56 min
